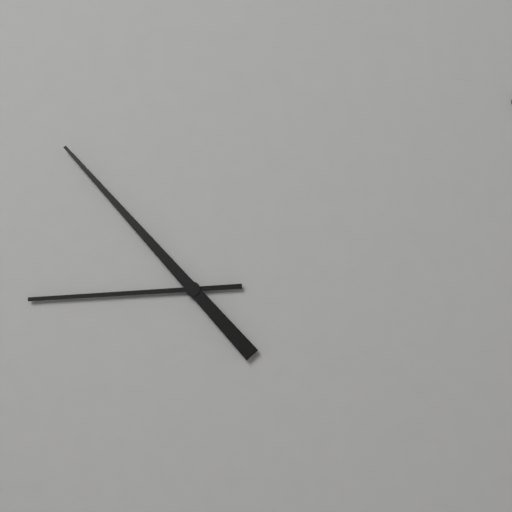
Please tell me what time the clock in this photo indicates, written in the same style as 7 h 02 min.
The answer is 8 h 53 min
